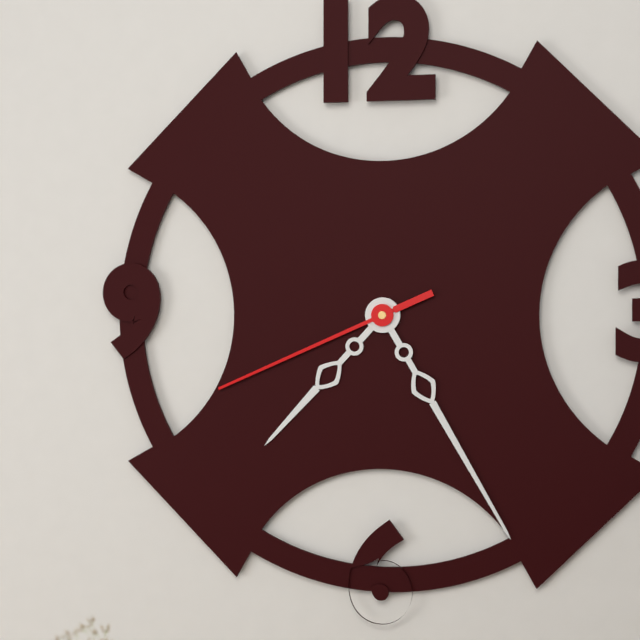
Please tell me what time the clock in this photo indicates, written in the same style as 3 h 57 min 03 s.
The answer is 7 h 25 min 41 s
